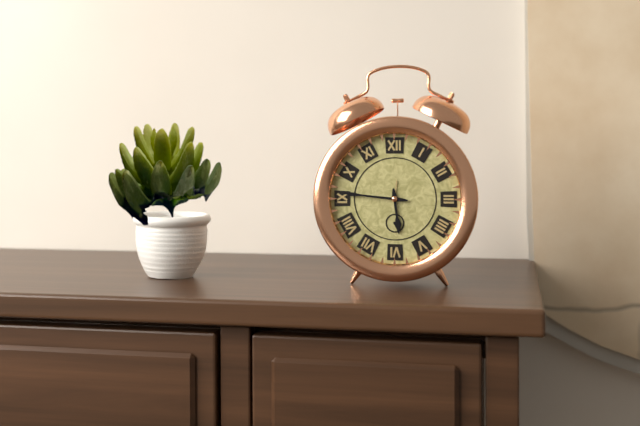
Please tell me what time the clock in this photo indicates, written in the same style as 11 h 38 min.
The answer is 5 h 46 min
